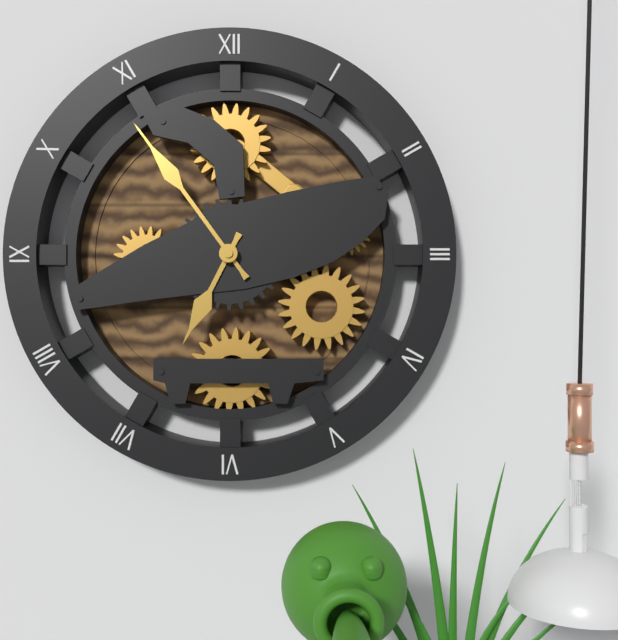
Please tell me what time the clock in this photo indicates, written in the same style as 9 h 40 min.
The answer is 6 h 54 min
